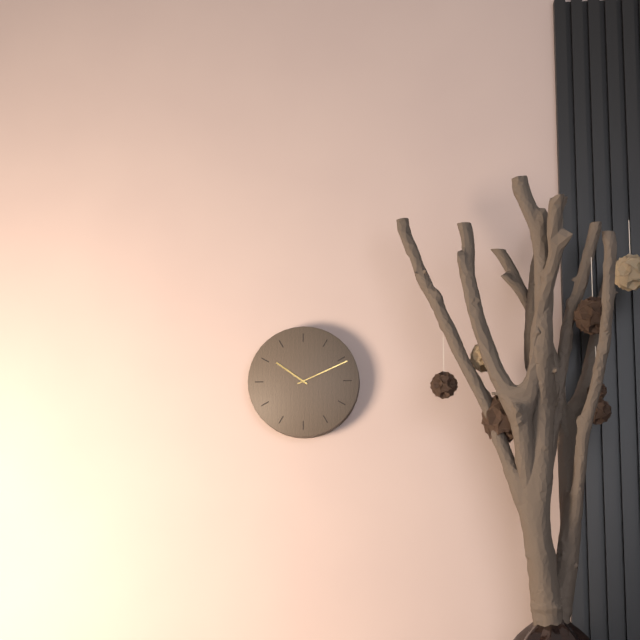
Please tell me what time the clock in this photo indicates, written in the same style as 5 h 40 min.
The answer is 10 h 11 min
